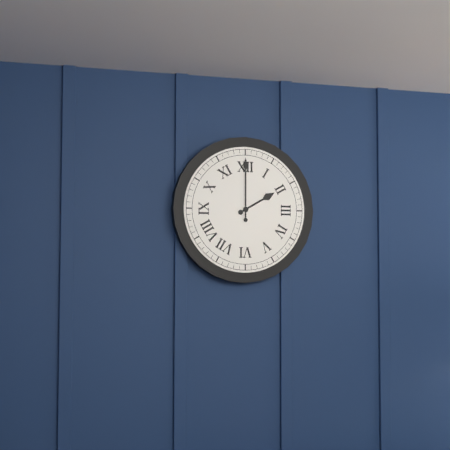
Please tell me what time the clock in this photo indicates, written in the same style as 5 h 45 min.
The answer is 2 h 00 min
